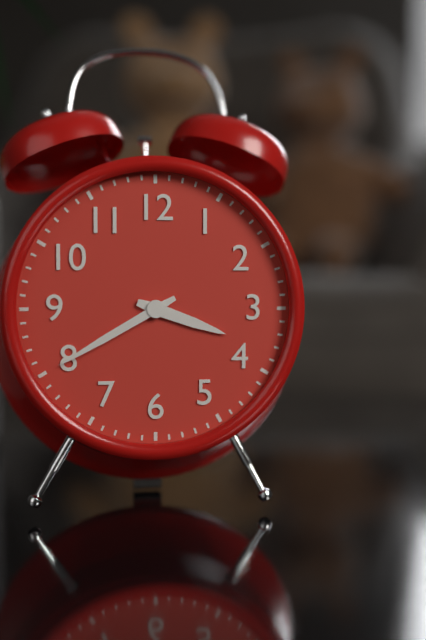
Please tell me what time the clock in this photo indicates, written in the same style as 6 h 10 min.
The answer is 3 h 40 min
